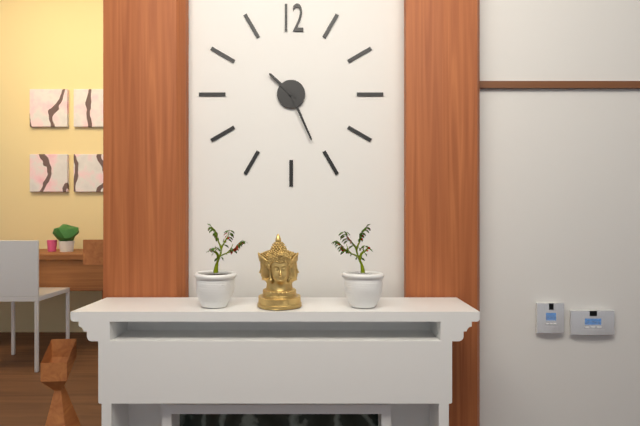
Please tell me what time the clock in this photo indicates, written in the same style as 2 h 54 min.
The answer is 10 h 26 min
